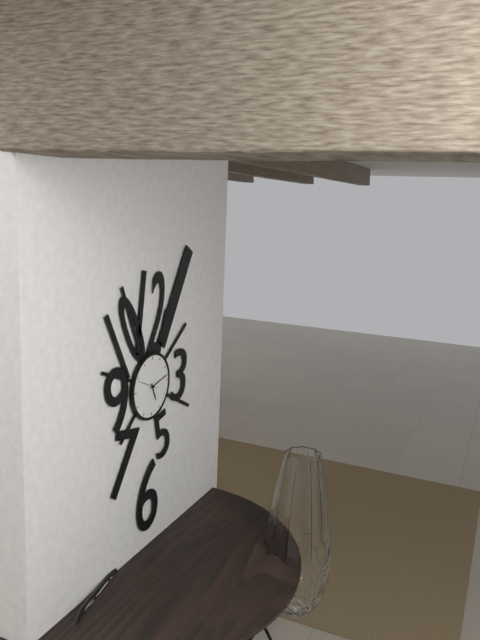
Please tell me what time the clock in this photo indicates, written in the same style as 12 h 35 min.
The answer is 5 h 13 min
